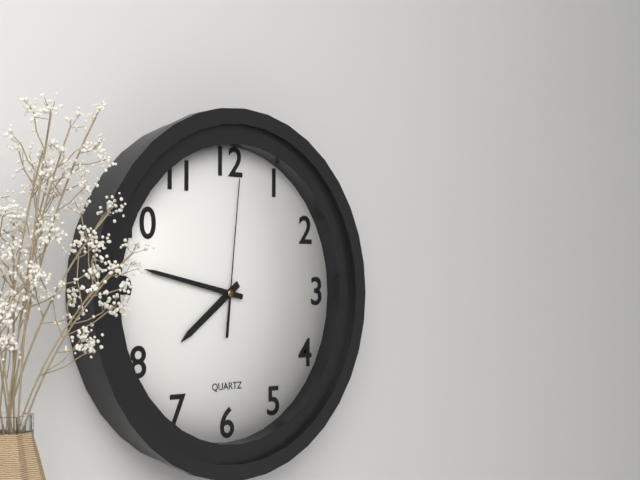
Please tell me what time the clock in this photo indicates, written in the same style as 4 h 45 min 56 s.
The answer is 7 h 47 min 01 s
